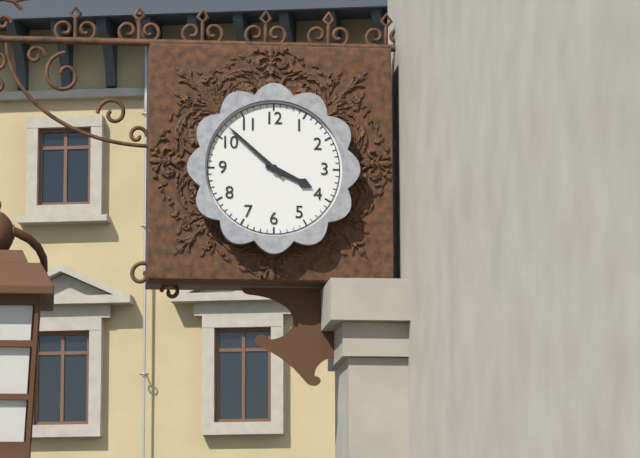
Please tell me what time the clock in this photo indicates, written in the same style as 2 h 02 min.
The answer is 3 h 52 min
